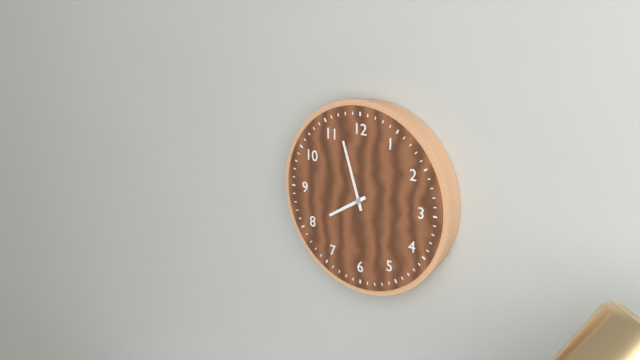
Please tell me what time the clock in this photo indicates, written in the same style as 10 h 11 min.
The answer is 7 h 57 min
